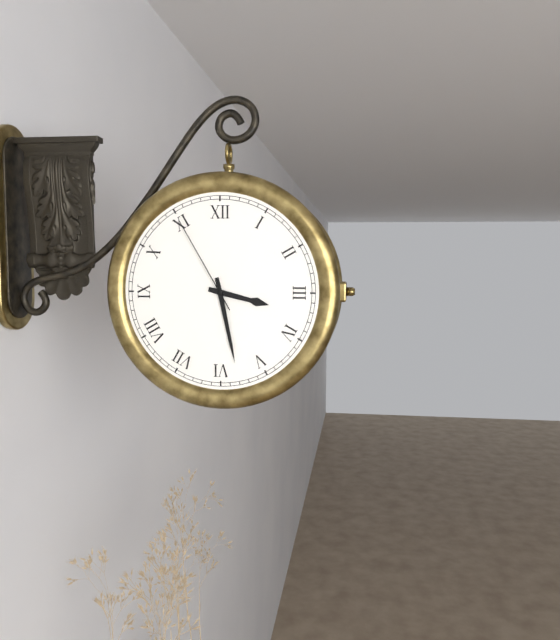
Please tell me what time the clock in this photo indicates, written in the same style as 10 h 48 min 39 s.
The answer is 3 h 28 min 55 s
